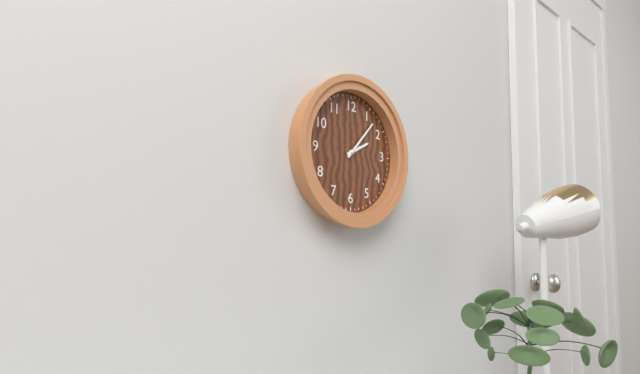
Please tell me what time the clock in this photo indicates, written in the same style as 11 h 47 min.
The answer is 2 h 07 min
